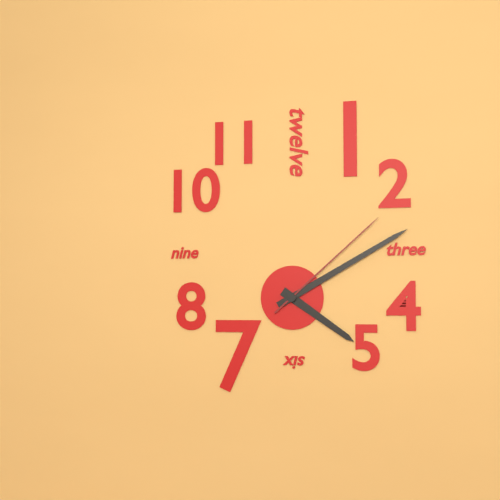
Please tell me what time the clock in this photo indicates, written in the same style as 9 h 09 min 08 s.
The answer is 4 h 10 min 08 s
